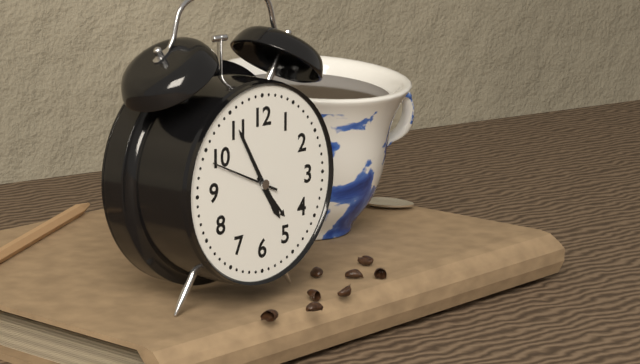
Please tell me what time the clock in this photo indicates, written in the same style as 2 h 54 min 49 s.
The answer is 4 h 55 min 49 s
